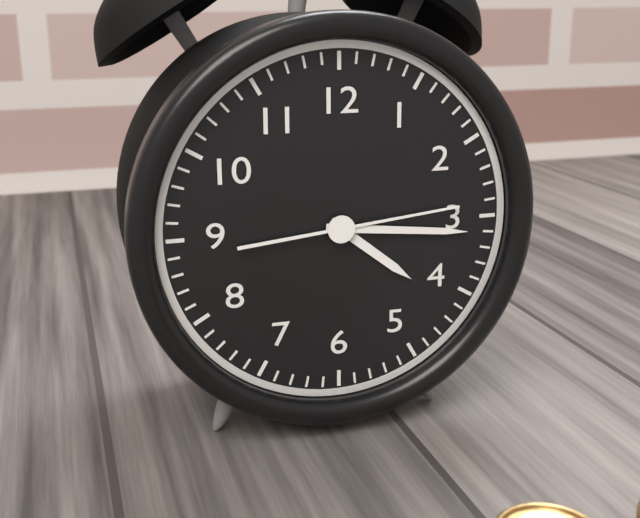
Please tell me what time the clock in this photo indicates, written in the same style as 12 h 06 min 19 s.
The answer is 4 h 16 min 14 s
